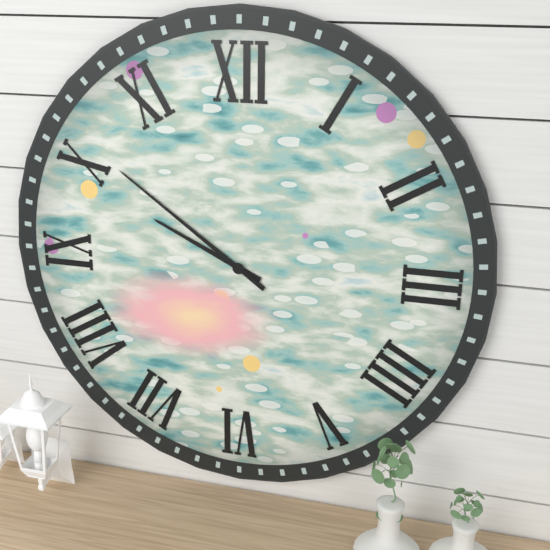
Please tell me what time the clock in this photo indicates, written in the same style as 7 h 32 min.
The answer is 9 h 51 min
